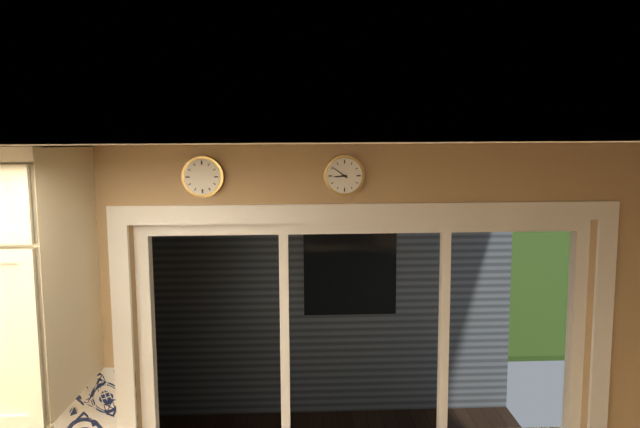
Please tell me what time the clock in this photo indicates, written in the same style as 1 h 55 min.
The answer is 8 h 51 min
